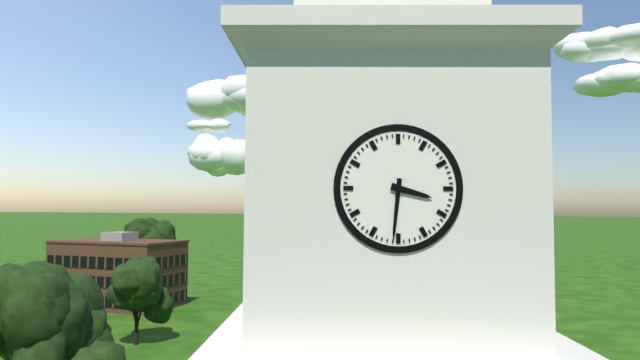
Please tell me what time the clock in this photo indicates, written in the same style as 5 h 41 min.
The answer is 3 h 31 min
